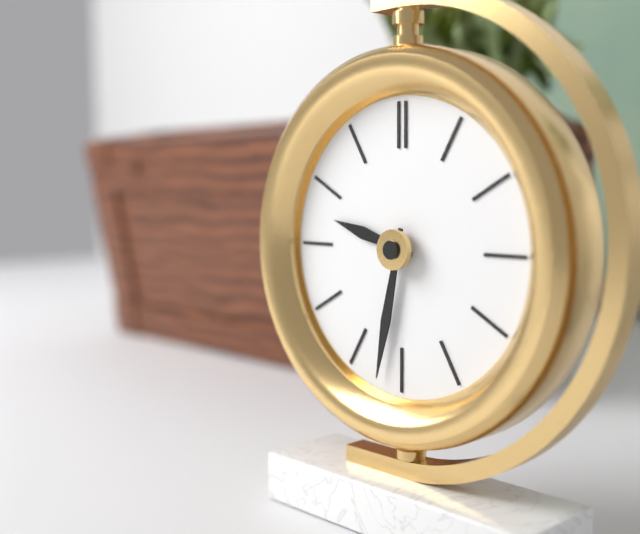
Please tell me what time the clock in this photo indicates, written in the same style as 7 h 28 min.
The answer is 9 h 32 min
